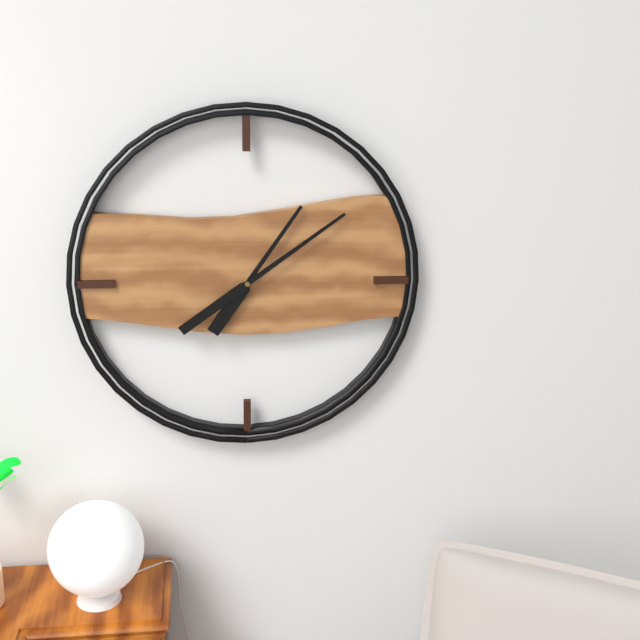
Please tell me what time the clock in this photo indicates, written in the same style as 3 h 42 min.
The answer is 1 h 09 min
